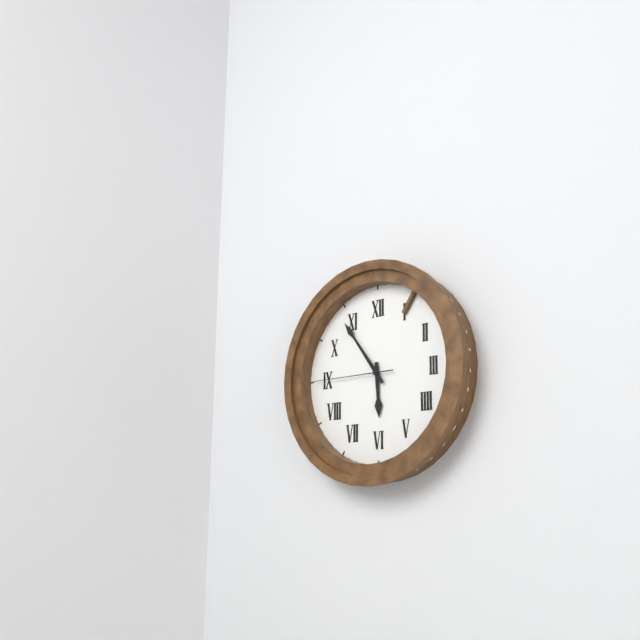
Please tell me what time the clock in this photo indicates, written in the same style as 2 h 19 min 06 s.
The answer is 5 h 54 min 45 s
